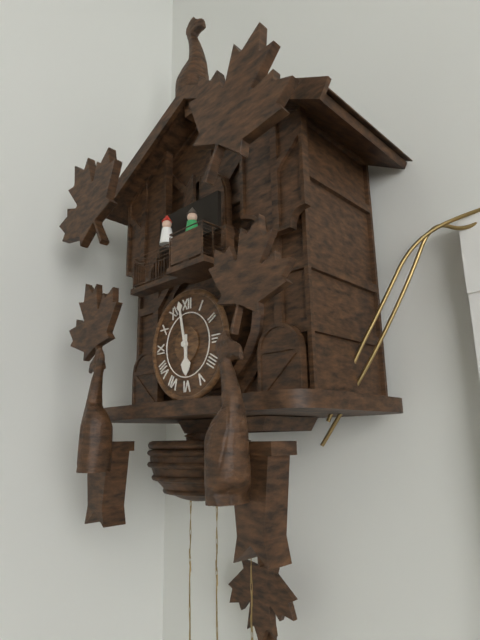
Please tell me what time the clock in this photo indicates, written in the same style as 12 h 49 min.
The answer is 5 h 58 min
